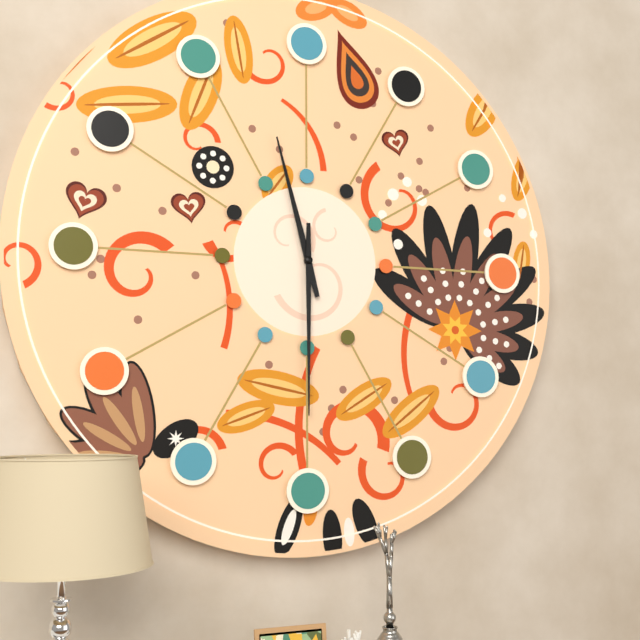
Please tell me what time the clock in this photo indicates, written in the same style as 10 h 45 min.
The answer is 11 h 30 min
